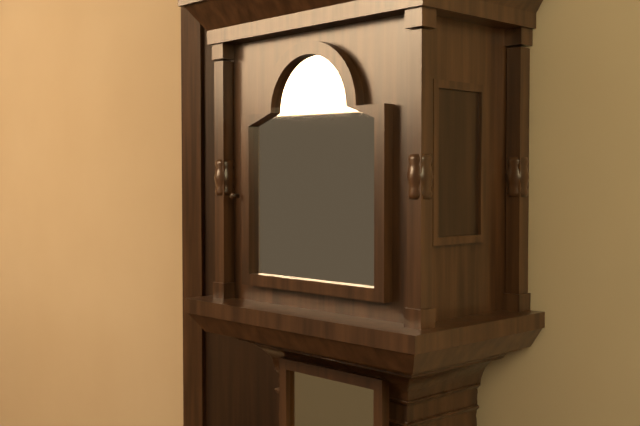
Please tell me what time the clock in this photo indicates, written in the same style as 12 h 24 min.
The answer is 7 h 20 min
